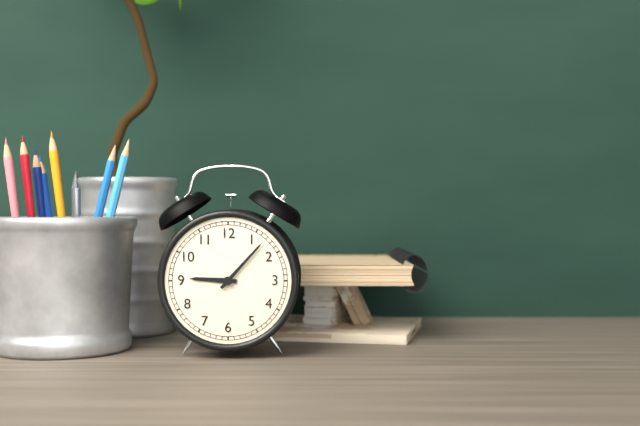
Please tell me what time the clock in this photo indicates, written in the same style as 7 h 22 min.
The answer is 9 h 07 min
